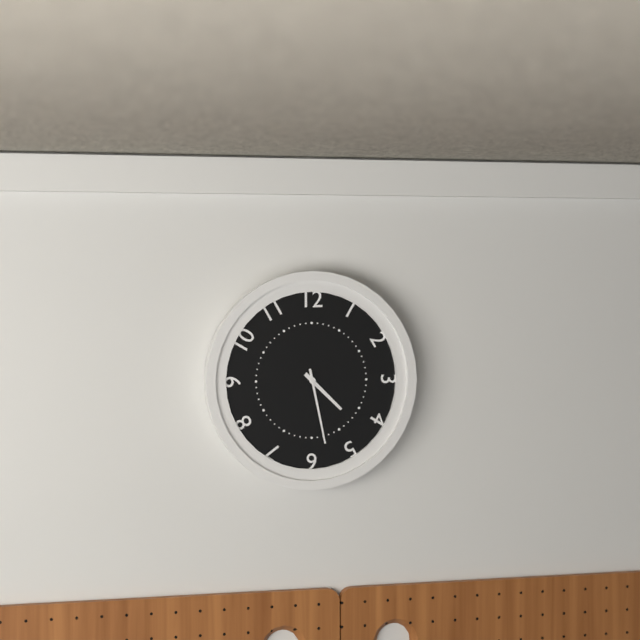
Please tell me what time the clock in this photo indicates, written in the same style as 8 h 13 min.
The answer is 4 h 28 min
